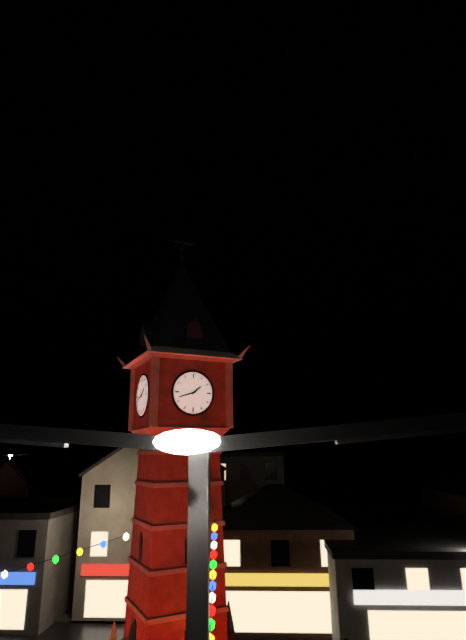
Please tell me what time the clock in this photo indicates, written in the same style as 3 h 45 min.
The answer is 1 h 42 min
